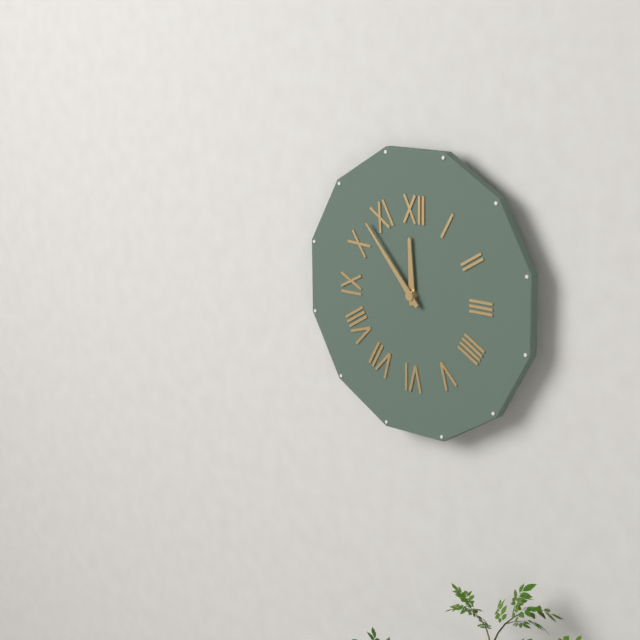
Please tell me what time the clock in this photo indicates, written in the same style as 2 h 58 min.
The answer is 11 h 53 min
